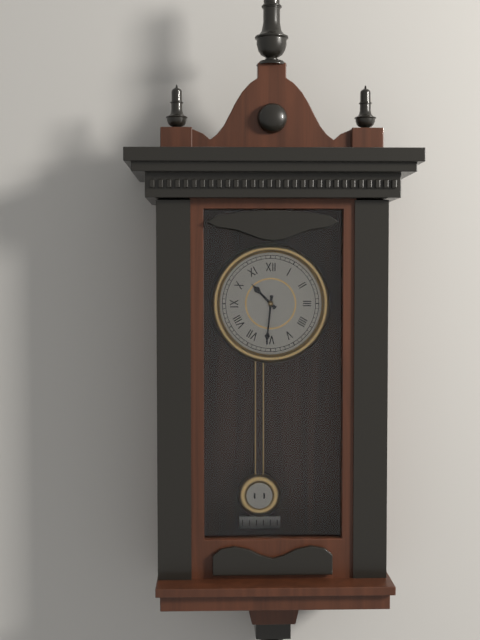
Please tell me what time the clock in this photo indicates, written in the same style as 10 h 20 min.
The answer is 10 h 31 min
